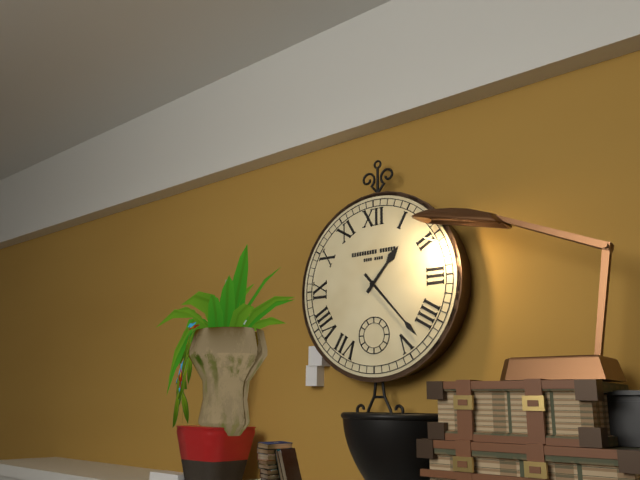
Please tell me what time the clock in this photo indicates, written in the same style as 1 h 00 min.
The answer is 1 h 23 min
